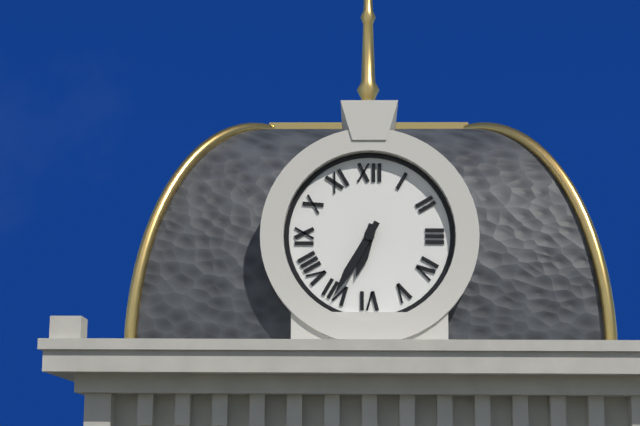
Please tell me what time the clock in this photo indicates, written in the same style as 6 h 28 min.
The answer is 6 h 35 min
